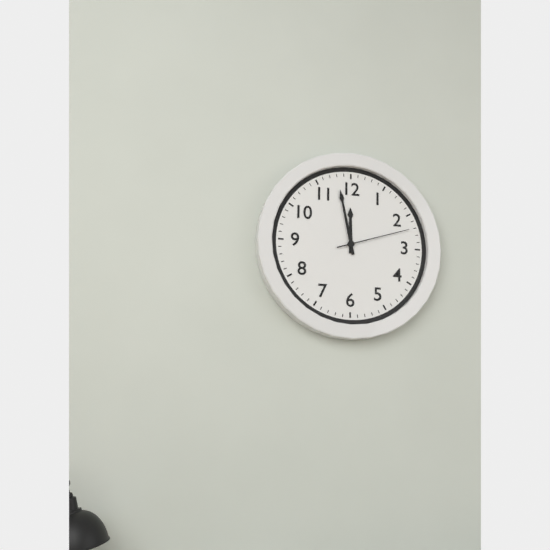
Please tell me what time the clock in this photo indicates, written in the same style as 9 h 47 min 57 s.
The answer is 11 h 58 min 12 s
